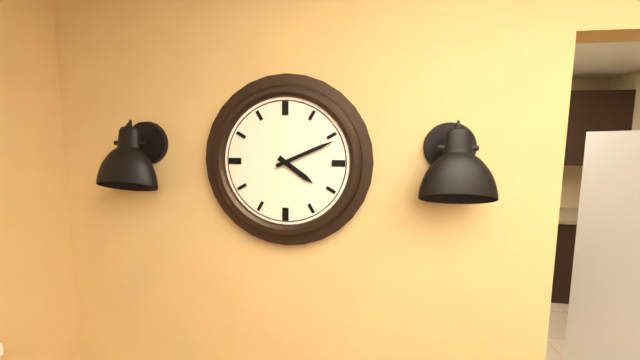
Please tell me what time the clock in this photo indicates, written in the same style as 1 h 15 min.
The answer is 4 h 11 min
